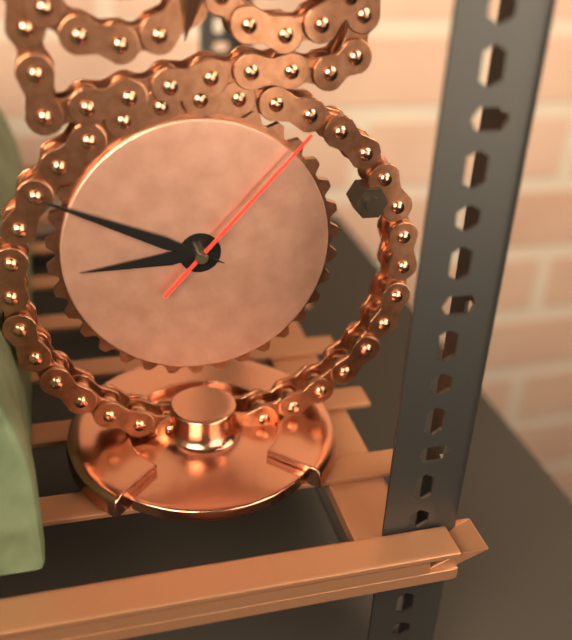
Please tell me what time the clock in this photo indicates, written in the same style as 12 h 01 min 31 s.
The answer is 8 h 49 min 07 s
